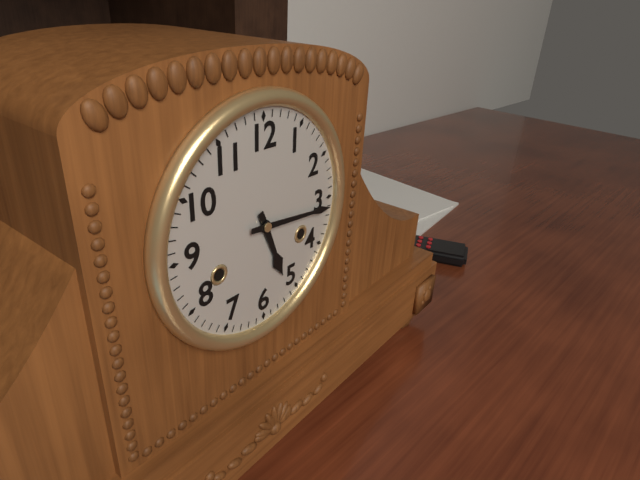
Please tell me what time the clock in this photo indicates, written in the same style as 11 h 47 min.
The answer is 5 h 16 min
